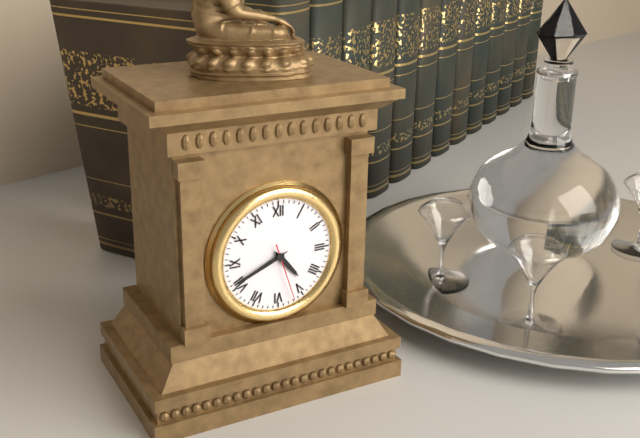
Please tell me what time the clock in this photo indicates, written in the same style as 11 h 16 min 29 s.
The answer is 4 h 41 min 27 s
